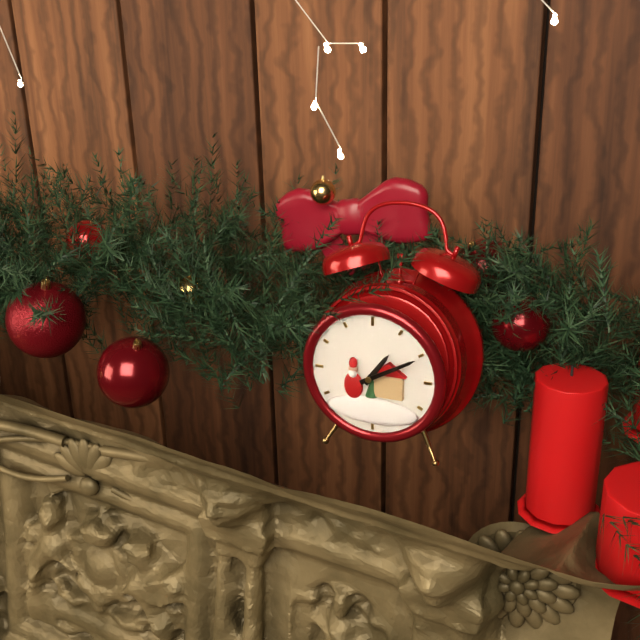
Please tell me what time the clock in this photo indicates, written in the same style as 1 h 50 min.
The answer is 1 h 10 min
